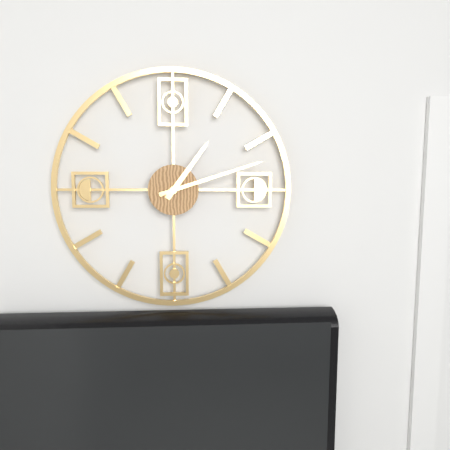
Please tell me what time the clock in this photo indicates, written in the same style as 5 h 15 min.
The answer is 1 h 12 min
